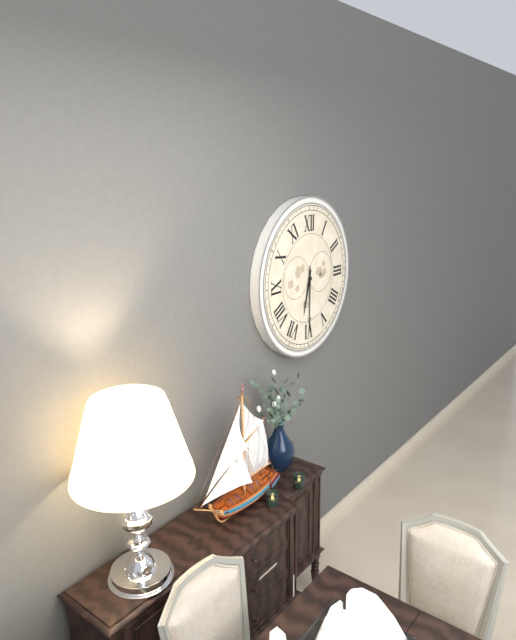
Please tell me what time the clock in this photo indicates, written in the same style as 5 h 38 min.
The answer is 6 h 30 min
